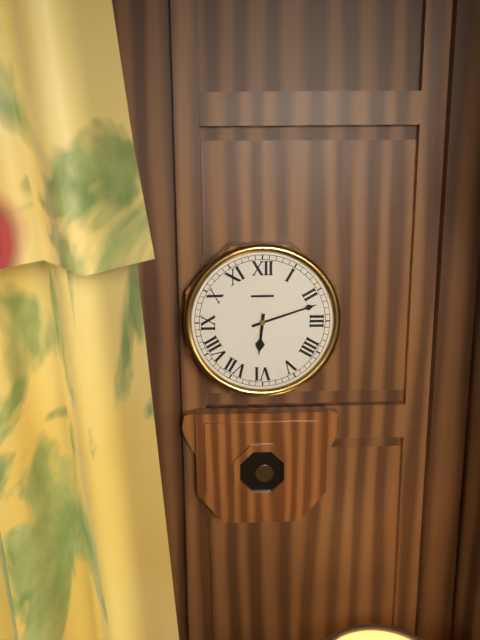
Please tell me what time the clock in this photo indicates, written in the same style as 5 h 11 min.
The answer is 6 h 12 min
